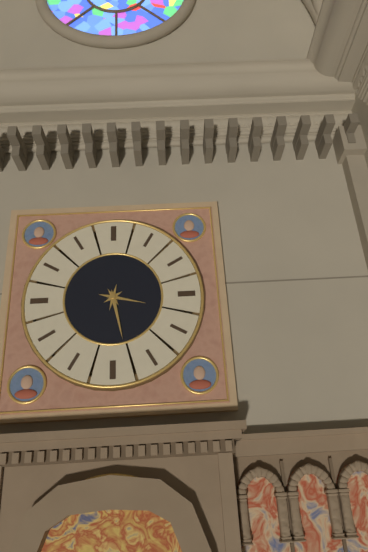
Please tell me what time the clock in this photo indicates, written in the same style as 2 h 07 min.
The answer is 3 h 28 min
